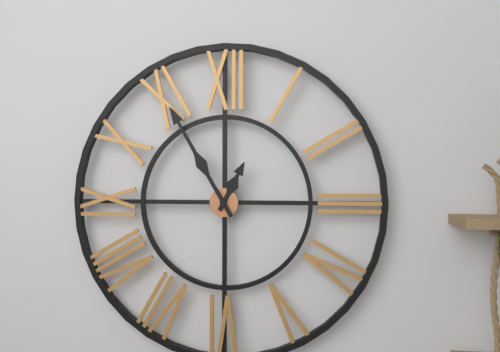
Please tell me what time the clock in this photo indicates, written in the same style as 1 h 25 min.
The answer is 12 h 55 min
